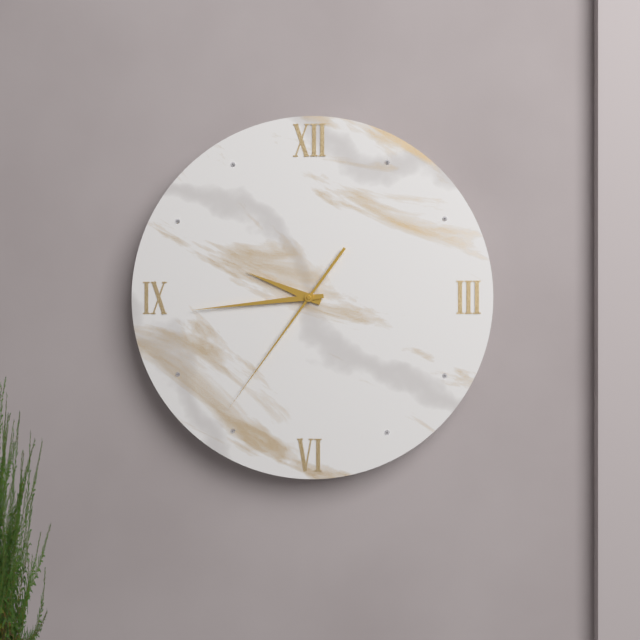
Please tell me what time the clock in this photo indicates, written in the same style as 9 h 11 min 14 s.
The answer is 9 h 44 min 36 s
